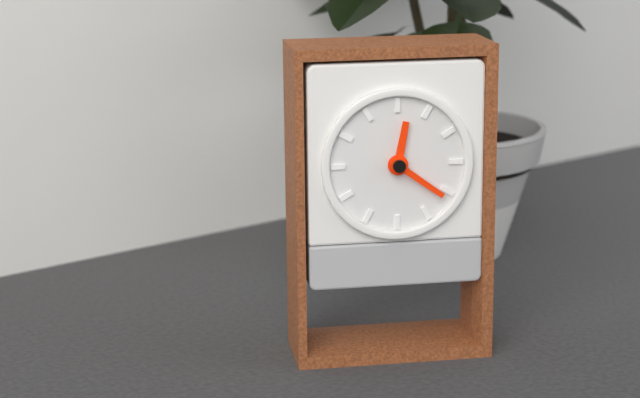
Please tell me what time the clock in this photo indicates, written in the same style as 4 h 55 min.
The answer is 12 h 21 min
